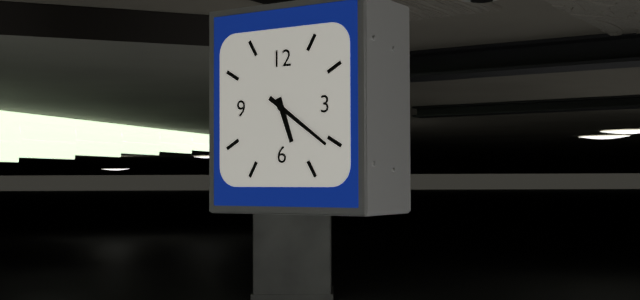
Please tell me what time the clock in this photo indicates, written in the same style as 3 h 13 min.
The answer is 5 h 21 min
